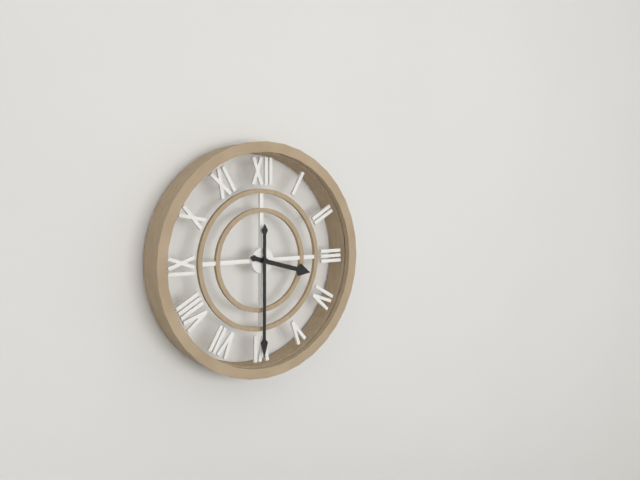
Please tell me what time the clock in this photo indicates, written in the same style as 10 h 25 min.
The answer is 3 h 30 min
